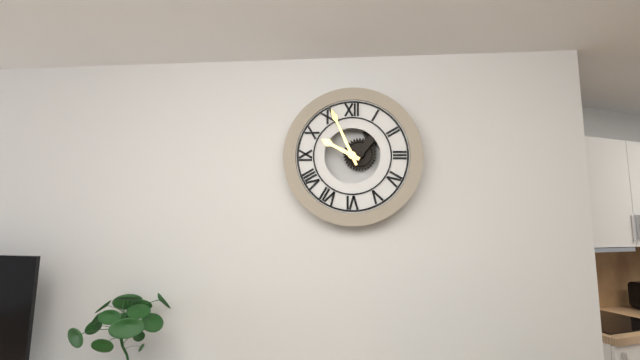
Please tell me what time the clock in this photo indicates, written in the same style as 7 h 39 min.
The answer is 9 h 56 min
